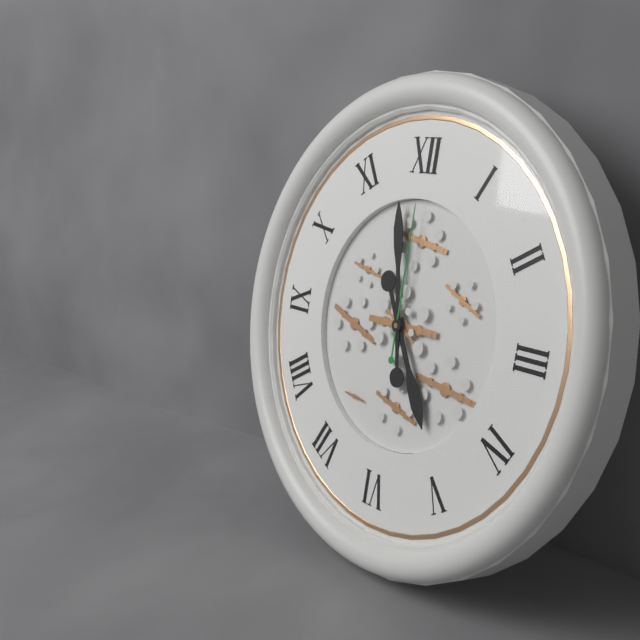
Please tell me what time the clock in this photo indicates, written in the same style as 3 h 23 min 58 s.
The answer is 4 h 58 min 00 s
